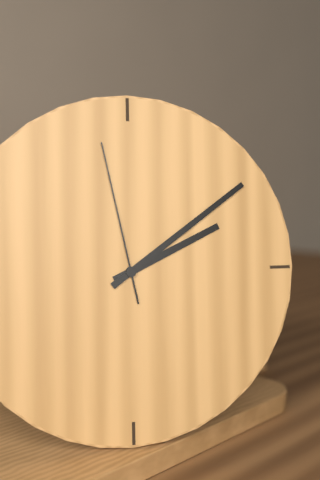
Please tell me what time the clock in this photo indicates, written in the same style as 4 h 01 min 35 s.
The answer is 2 h 09 min 58 s
